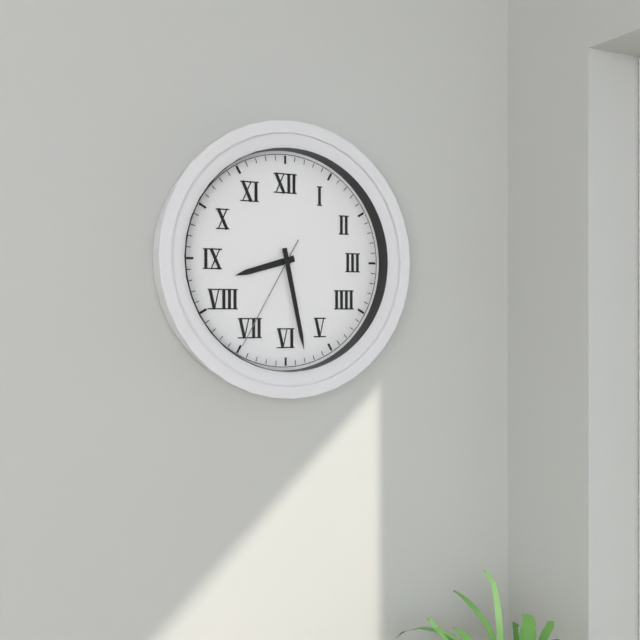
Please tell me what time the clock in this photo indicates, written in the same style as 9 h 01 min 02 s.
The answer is 8 h 28 min 35 s
